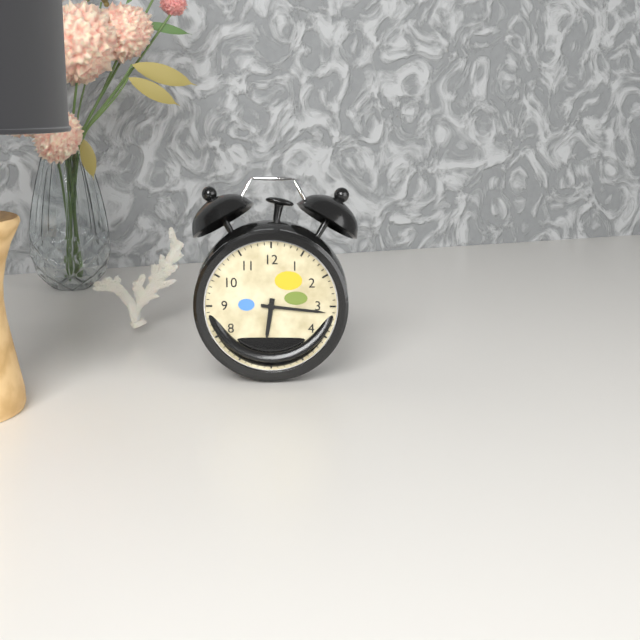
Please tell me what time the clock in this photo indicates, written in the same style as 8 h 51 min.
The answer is 6 h 16 min
